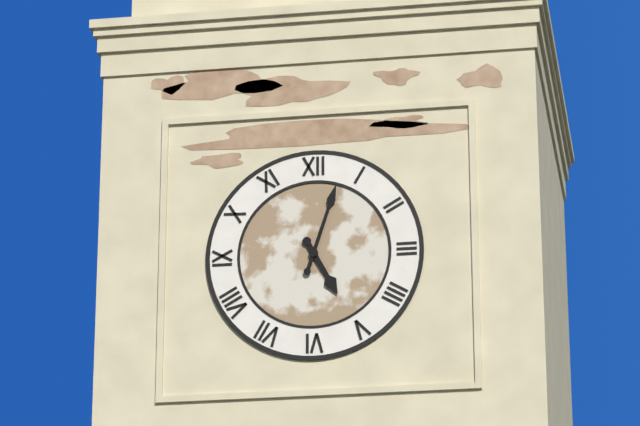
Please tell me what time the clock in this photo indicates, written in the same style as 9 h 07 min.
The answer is 5 h 03 min
